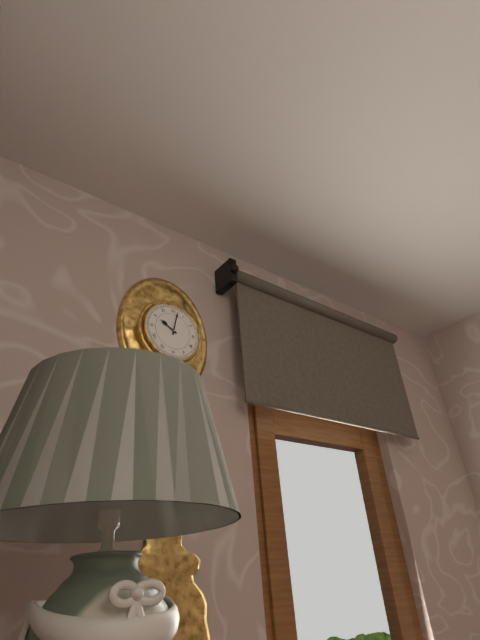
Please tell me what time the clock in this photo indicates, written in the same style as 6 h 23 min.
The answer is 10 h 02 min
